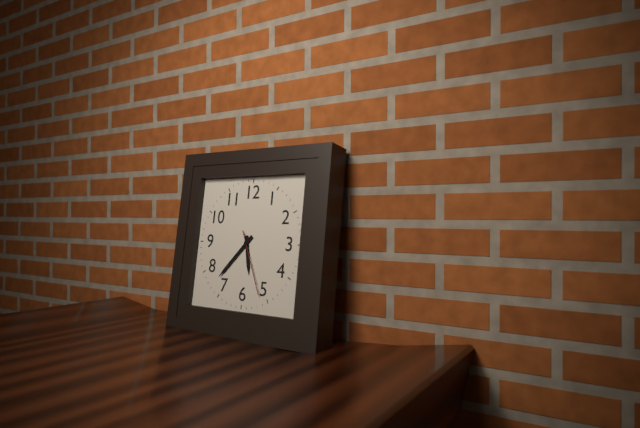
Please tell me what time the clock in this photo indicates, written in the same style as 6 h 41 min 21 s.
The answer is 5 h 37 min 26 s
